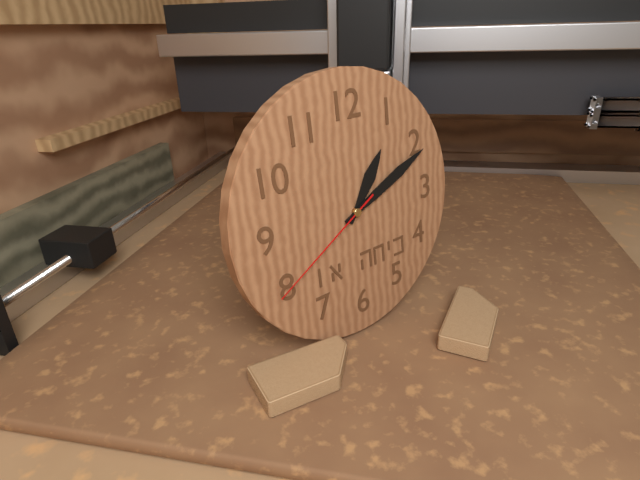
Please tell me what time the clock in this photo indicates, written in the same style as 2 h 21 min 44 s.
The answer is 1 h 11 min 40 s
